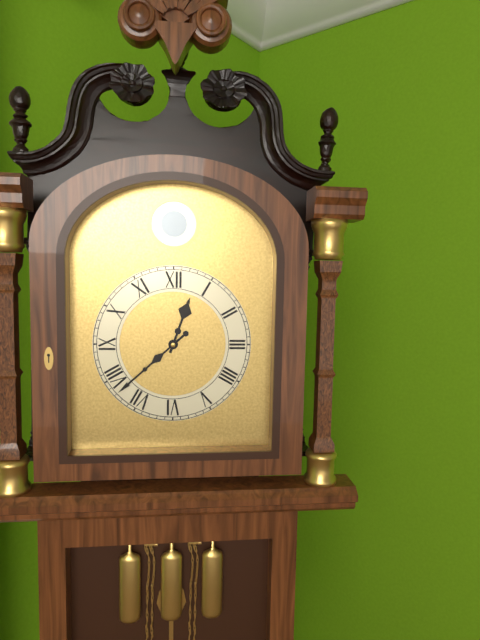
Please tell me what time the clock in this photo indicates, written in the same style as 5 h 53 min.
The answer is 12 h 38 min
